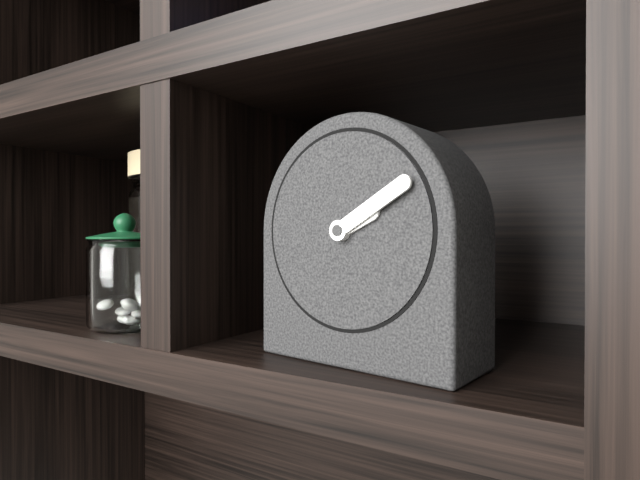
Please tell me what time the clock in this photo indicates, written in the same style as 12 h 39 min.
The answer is 2 h 10 min
